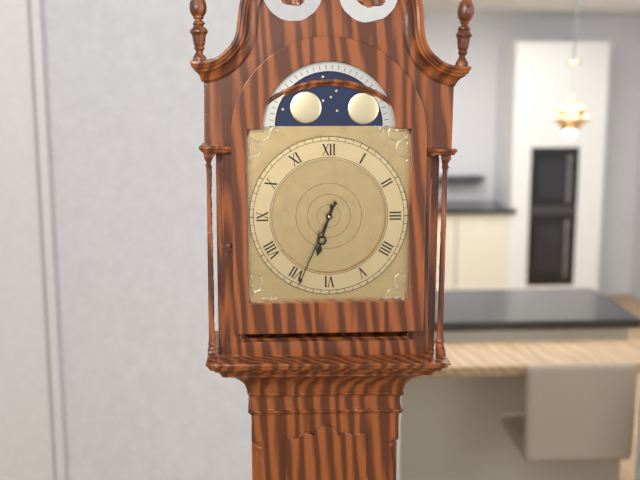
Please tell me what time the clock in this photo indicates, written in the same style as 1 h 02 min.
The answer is 6 h 34 min
